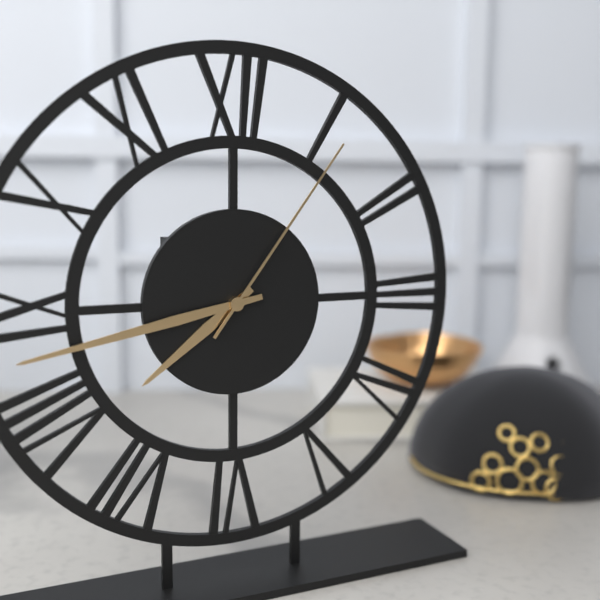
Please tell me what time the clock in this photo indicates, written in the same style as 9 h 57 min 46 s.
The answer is 7 h 43 min 06 s
